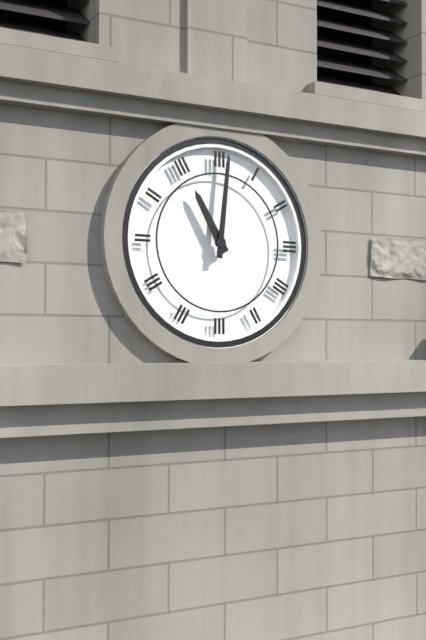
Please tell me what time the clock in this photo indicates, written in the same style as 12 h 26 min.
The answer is 11 h 01 min
